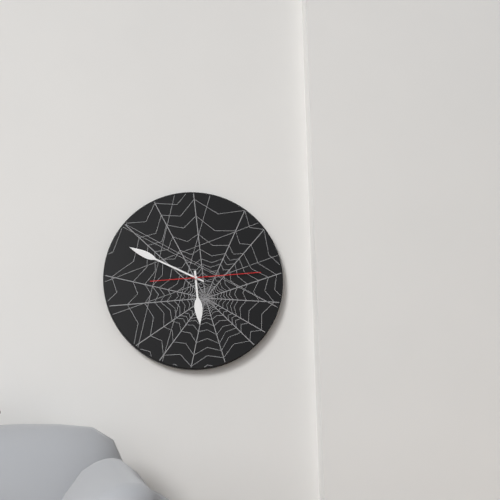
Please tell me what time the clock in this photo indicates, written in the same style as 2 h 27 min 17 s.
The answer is 5 h 49 min 14 s
